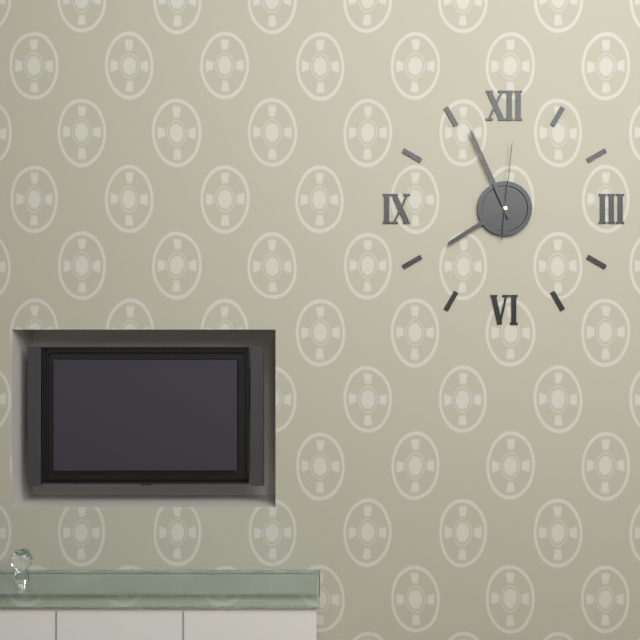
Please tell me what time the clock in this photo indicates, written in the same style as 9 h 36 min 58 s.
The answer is 7 h 56 min 01 s
